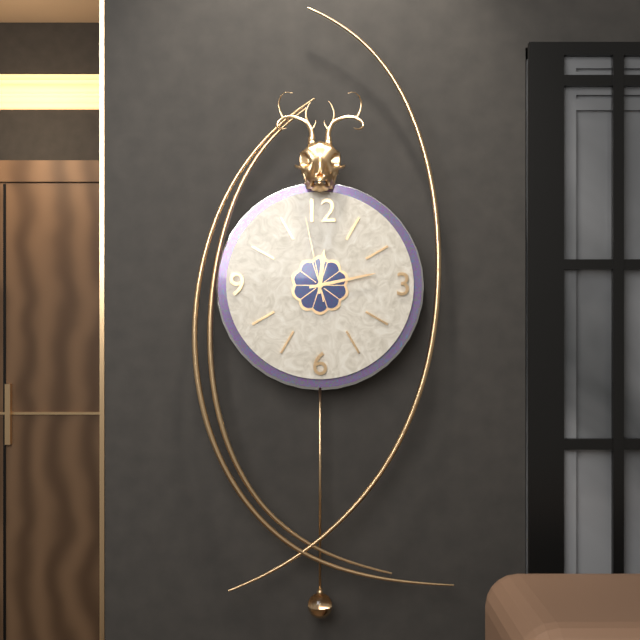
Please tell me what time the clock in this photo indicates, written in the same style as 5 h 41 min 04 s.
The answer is 12 h 13 min 58 s
